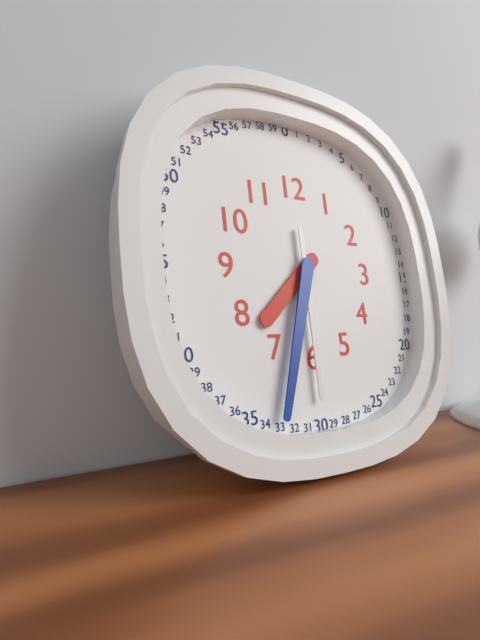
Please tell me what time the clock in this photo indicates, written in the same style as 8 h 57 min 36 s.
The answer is 7 h 33 min 30 s
